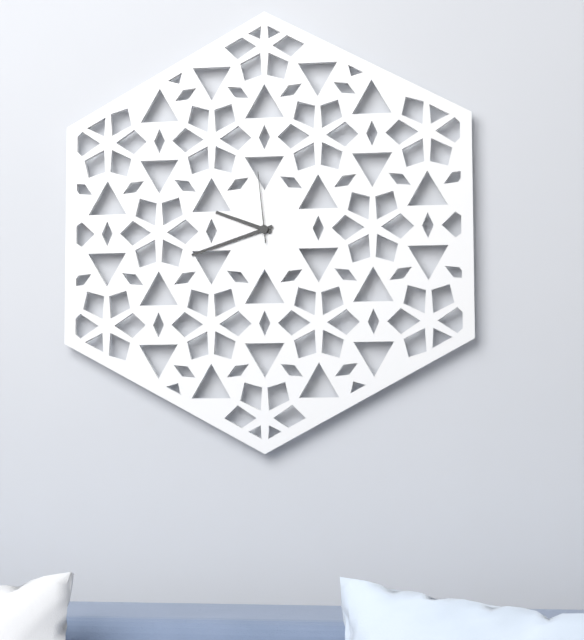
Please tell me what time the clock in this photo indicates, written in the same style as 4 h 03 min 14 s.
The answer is 9 h 42 min 59 s
